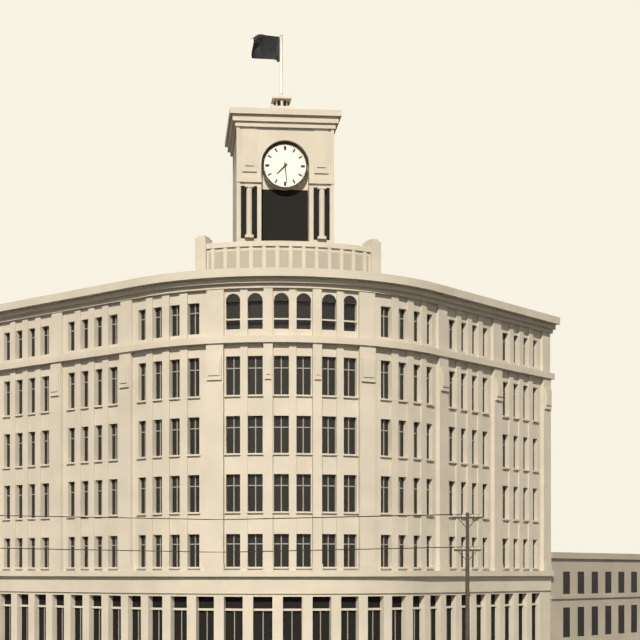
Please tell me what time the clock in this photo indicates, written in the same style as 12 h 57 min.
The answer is 7 h 29 min
